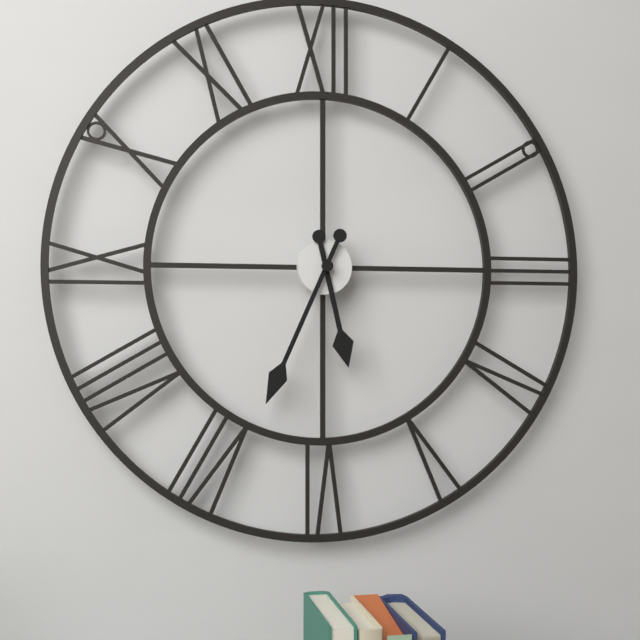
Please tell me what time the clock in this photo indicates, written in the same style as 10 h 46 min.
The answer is 5 h 34 min
